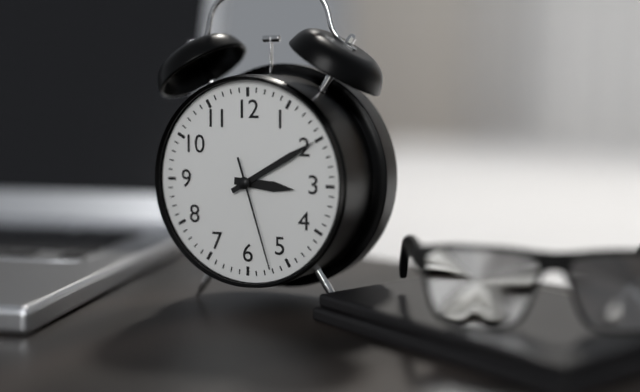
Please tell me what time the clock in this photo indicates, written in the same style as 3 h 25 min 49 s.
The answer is 3 h 10 min 27 s
